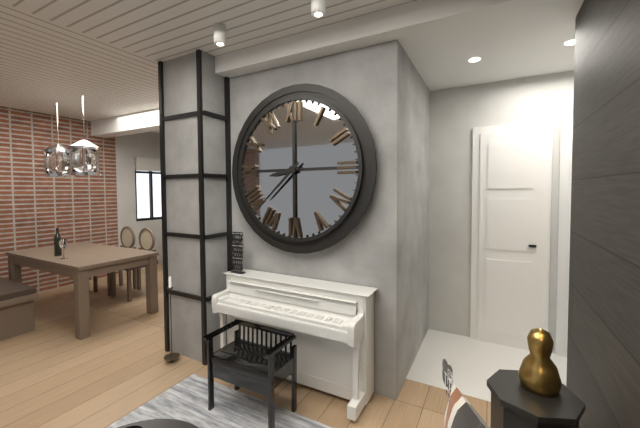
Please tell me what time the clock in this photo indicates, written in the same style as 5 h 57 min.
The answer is 8 h 38 min
